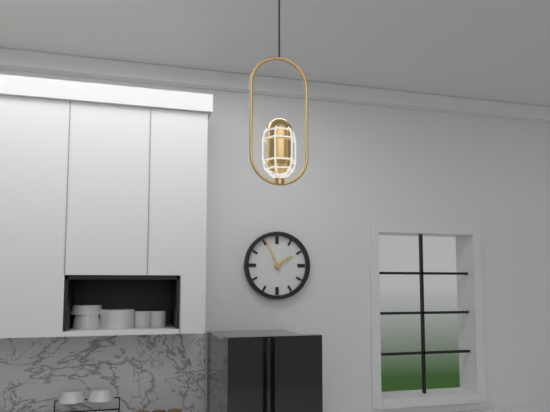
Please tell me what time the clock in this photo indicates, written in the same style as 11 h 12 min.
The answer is 1 h 56 min
